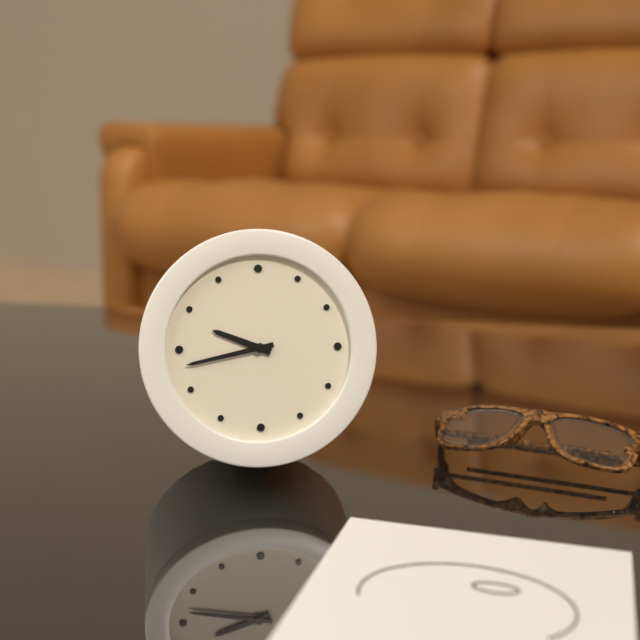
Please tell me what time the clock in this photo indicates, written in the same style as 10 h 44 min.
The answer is 9 h 43 min
